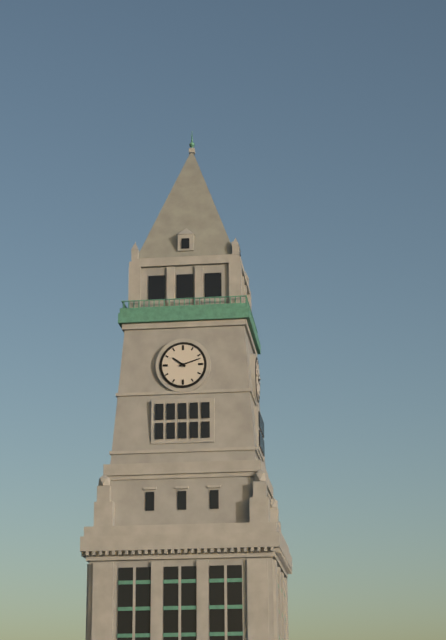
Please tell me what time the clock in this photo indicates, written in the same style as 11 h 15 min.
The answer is 10 h 12 min
